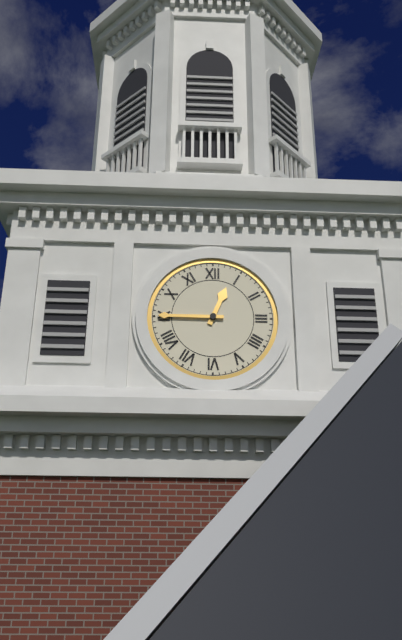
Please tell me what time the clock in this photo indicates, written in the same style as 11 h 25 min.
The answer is 12 h 45 min
